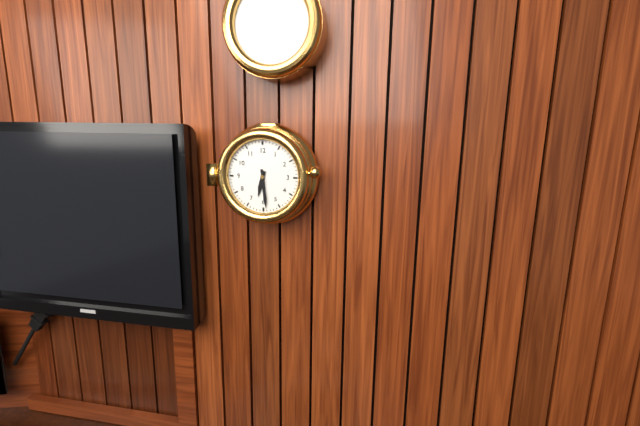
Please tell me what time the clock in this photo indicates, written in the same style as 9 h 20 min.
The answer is 6 h 29 min
